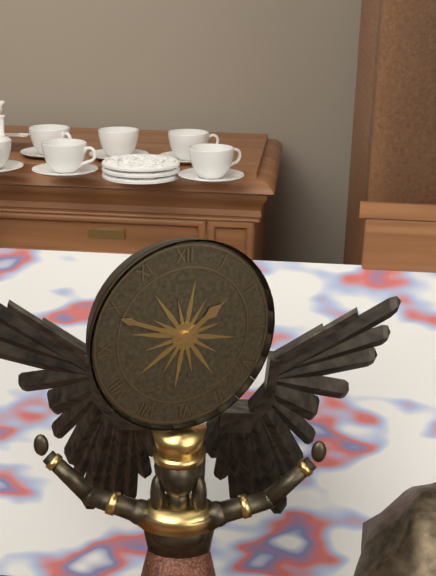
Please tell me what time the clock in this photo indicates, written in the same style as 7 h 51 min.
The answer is 1 h 49 min
